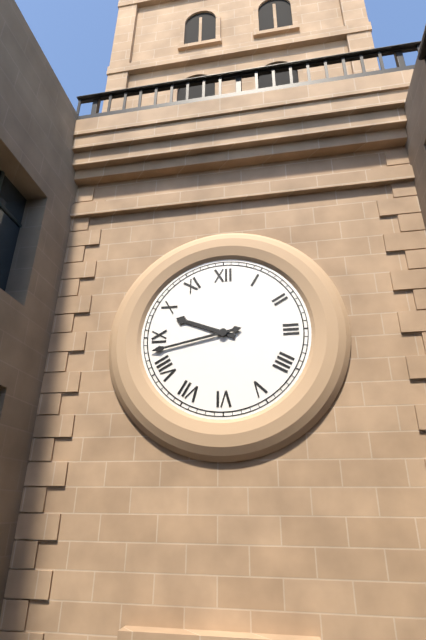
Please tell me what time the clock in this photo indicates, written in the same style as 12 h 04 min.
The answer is 9 h 43 min
